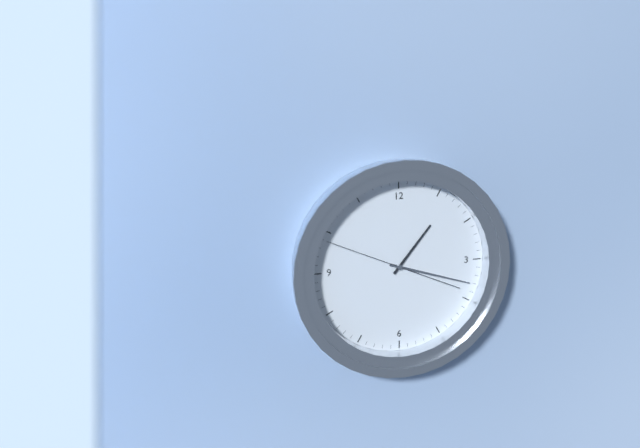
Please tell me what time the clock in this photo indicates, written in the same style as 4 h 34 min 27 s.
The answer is 1 h 18 min 49 s
